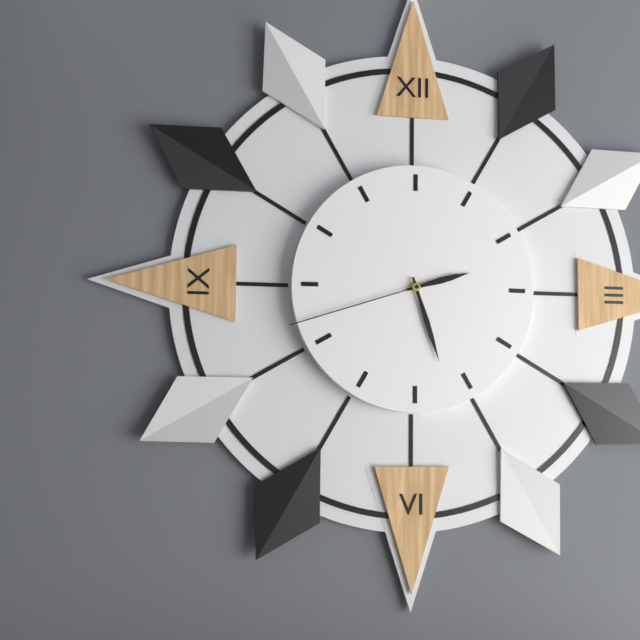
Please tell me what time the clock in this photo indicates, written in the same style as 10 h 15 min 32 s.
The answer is 2 h 27 min 42 s
